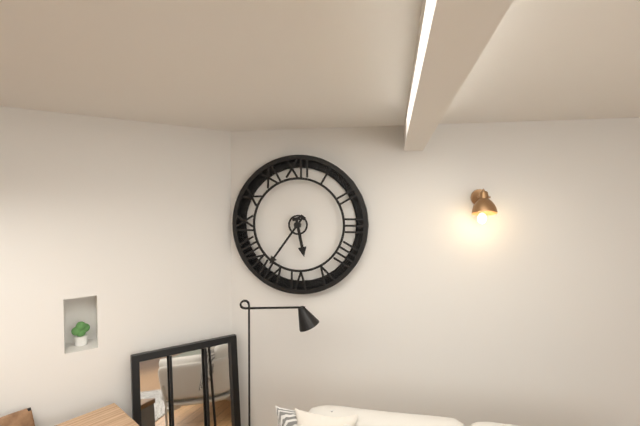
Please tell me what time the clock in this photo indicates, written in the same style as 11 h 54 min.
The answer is 5 h 36 min
